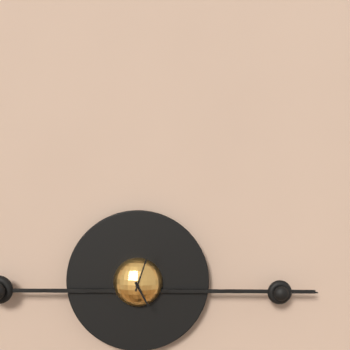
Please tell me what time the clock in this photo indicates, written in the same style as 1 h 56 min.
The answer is 5 h 03 min
